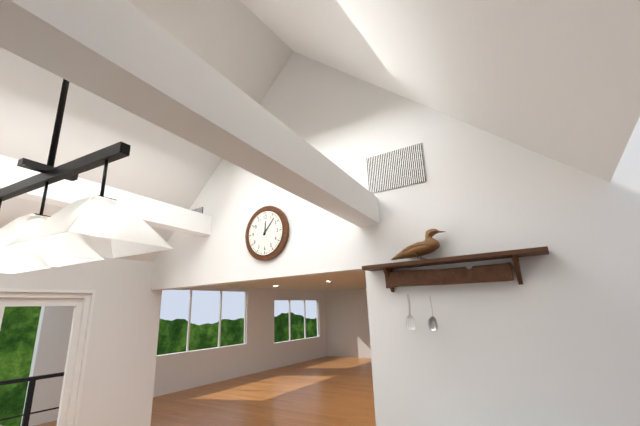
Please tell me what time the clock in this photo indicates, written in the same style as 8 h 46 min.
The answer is 12 h 07 min
